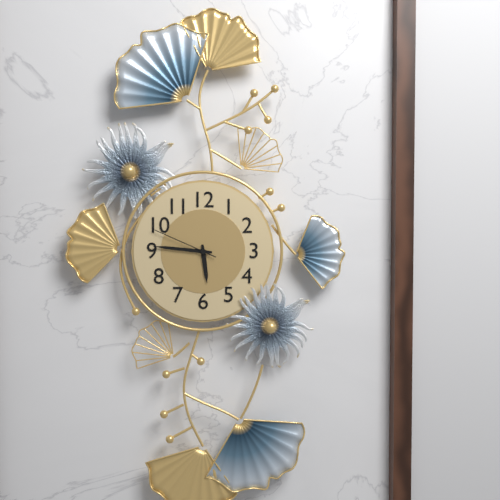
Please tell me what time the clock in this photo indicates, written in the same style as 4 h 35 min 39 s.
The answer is 5 h 46 min 49 s
